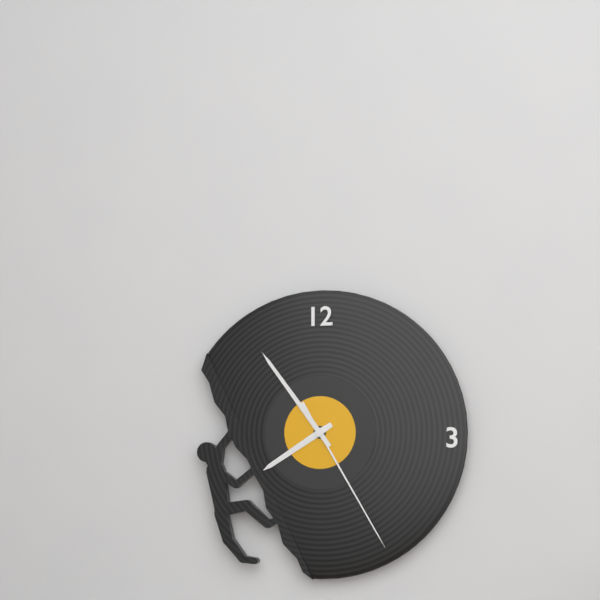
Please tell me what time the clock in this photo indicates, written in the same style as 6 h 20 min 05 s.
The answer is 7 h 54 min 25 s
